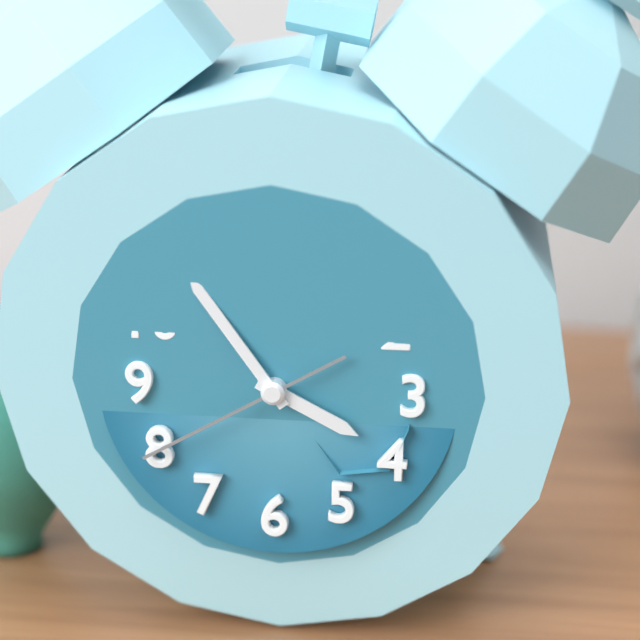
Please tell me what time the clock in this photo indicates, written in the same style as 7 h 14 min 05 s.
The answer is 3 h 54 min 40 s
